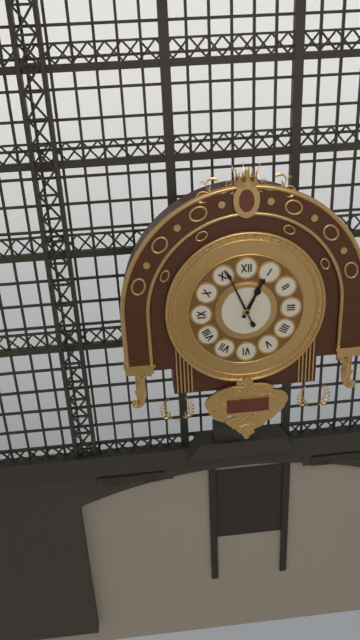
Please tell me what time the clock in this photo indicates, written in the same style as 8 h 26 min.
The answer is 12 h 56 min
